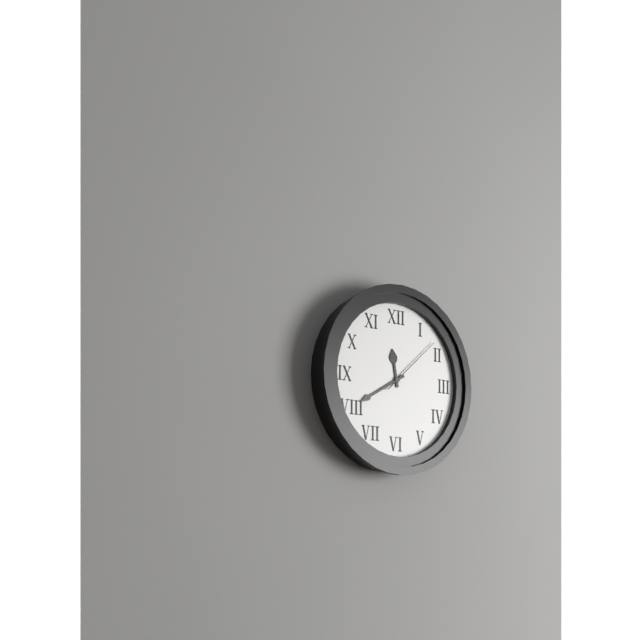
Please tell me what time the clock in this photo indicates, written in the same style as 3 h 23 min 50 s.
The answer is 11 h 40 min 08 s
